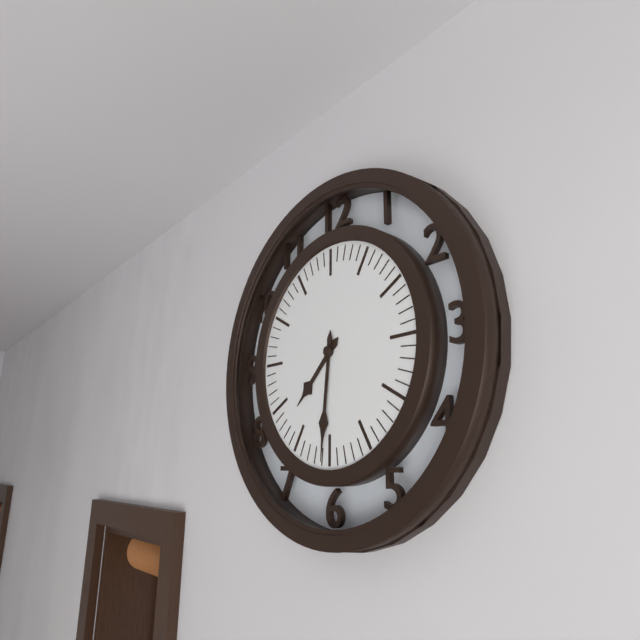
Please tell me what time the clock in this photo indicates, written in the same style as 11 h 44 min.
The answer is 7 h 31 min
